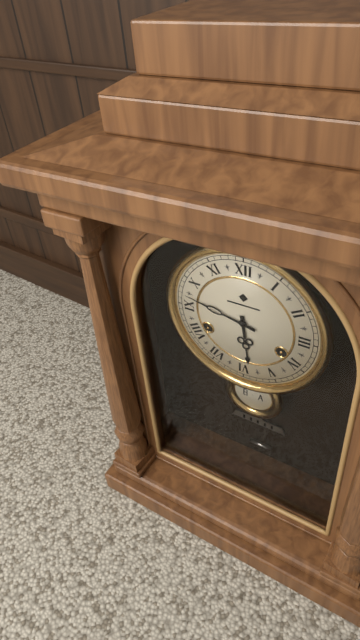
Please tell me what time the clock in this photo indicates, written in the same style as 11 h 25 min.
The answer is 5 h 47 min
